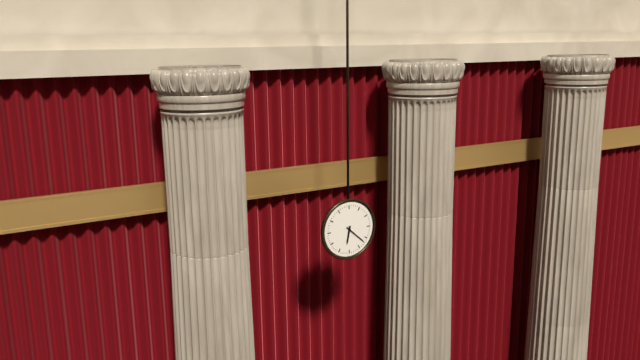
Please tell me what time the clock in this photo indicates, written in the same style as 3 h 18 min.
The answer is 6 h 22 min
